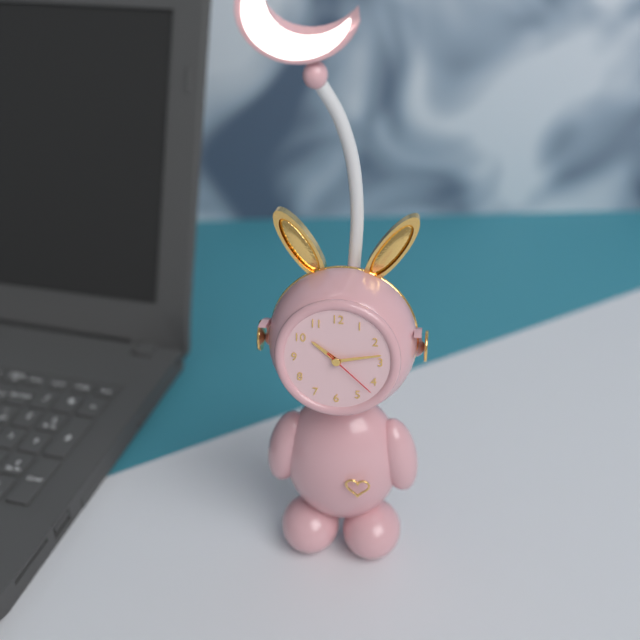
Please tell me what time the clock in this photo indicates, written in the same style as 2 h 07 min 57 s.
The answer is 10 h 13 min 22 s
